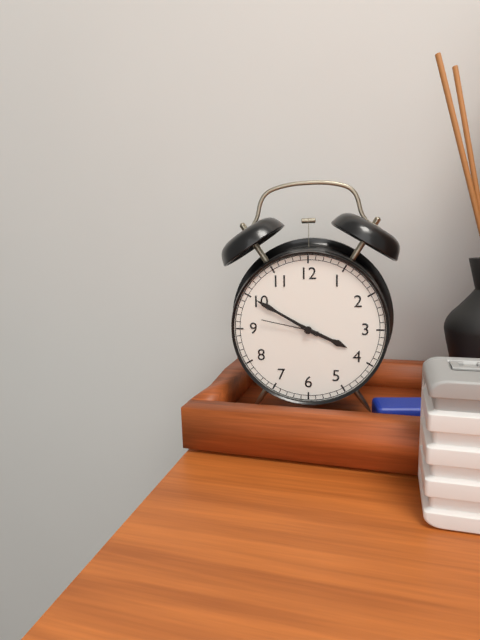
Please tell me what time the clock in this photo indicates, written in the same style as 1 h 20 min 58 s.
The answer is 3 h 50 min 47 s
